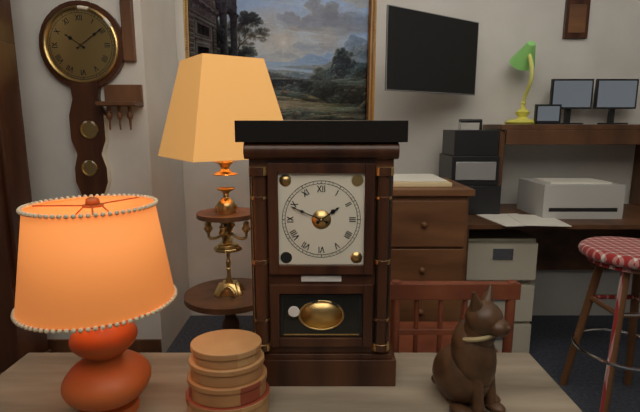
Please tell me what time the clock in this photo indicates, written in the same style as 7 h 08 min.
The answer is 1 h 49 min
